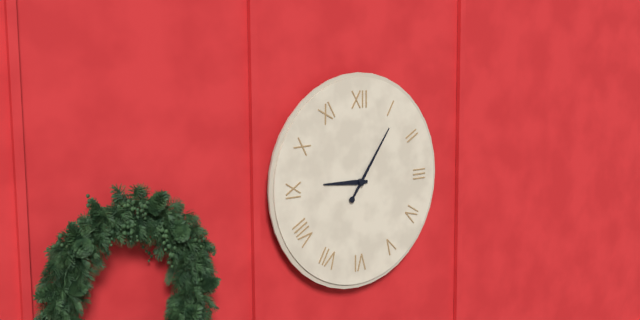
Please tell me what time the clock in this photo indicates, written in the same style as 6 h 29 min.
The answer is 9 h 06 min
